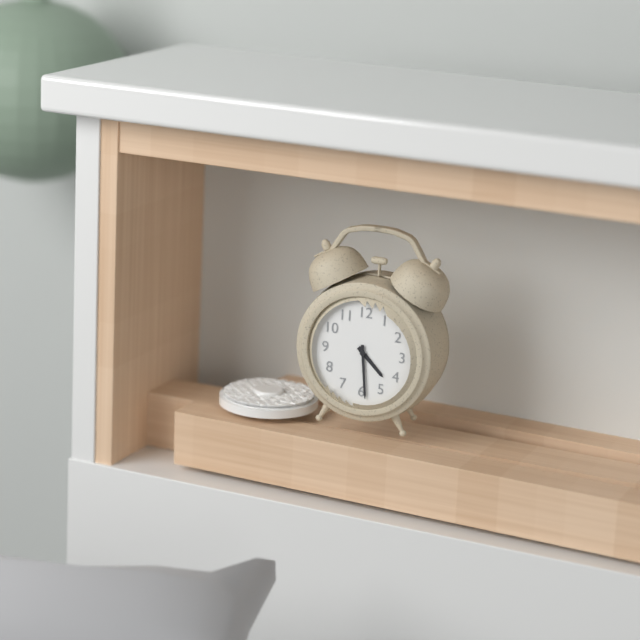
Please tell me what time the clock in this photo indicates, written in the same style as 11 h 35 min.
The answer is 4 h 29 min
